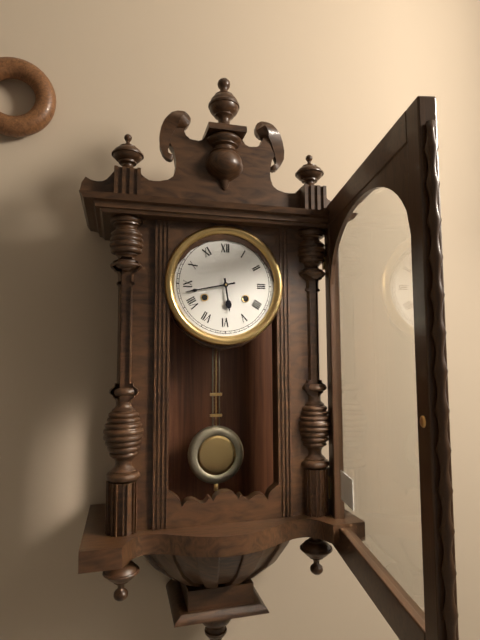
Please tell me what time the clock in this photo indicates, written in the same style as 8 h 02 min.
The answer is 5 h 43 min
